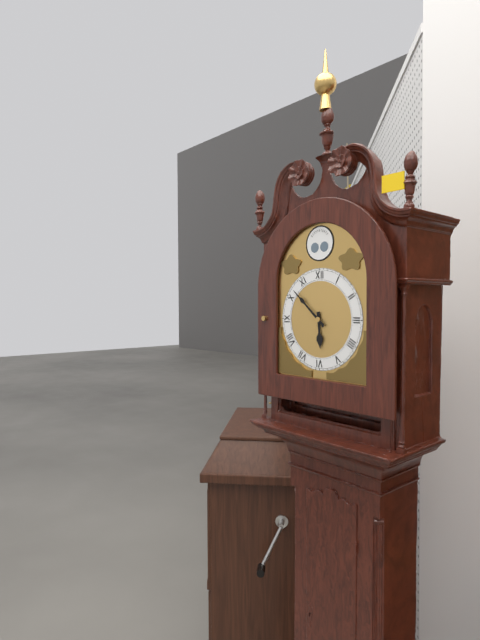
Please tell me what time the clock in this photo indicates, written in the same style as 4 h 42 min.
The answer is 5 h 52 min
